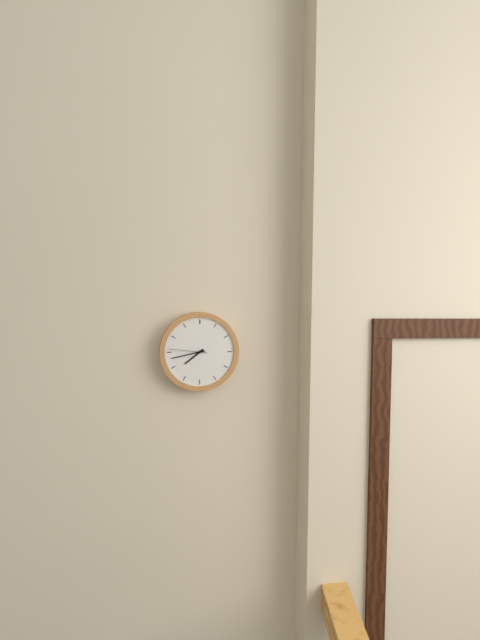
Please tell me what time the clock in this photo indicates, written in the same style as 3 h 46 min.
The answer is 7 h 43 min
